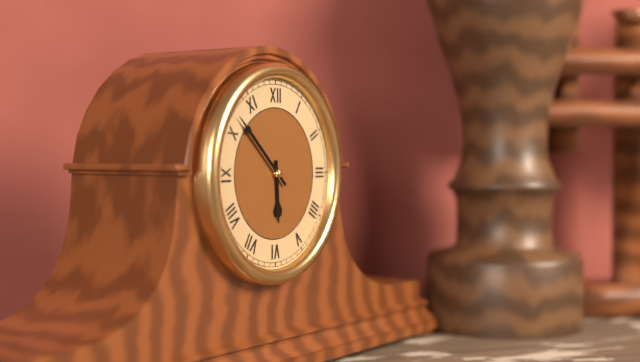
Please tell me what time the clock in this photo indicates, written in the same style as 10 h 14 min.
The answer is 5 h 52 min
